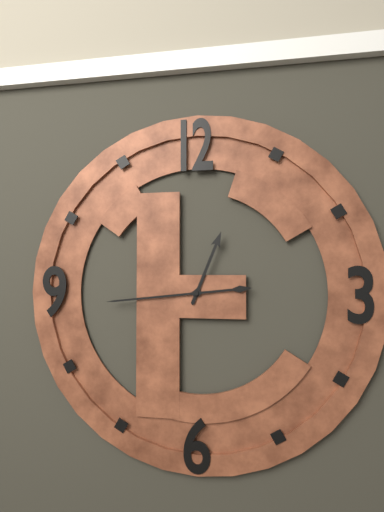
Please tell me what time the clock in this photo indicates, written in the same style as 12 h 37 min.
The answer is 12 h 44 min
